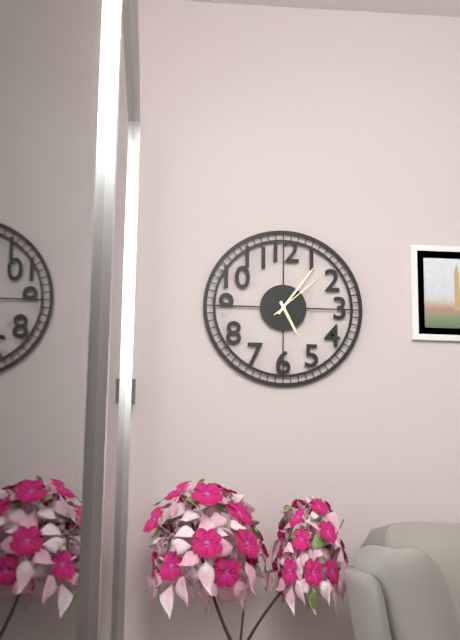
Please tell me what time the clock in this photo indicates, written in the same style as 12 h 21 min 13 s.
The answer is 5 h 06 min 08 s
